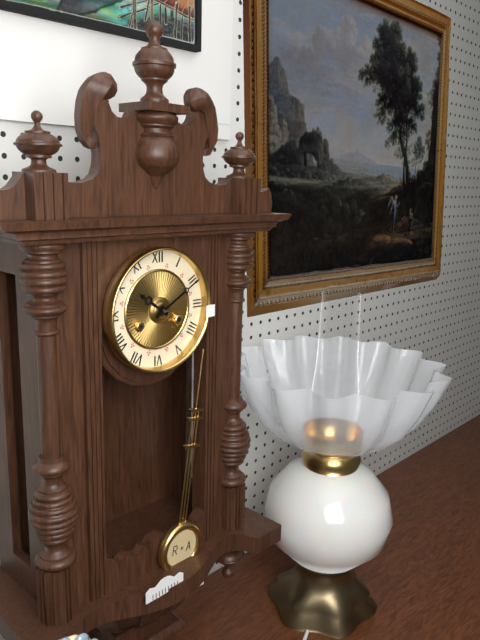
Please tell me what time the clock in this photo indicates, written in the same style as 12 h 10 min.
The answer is 10 h 10 min
